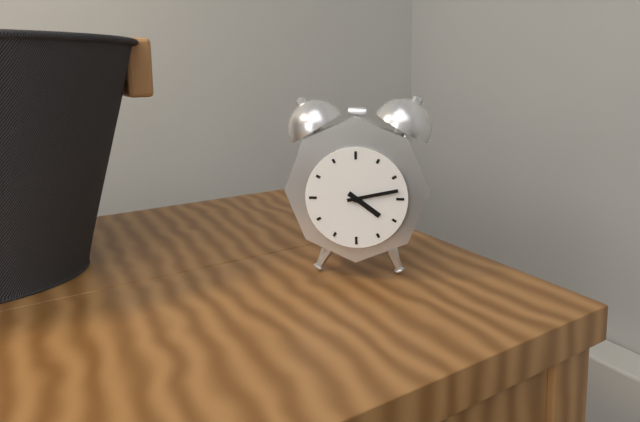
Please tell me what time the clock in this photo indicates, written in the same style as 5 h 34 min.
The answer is 4 h 13 min
